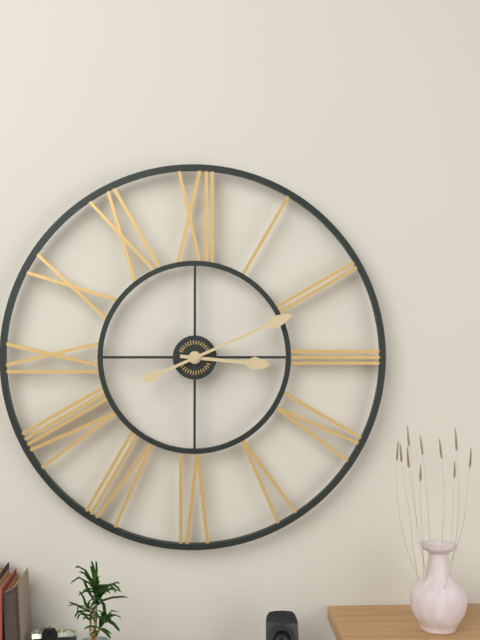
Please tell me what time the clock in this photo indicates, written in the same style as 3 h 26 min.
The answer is 3 h 11 min
